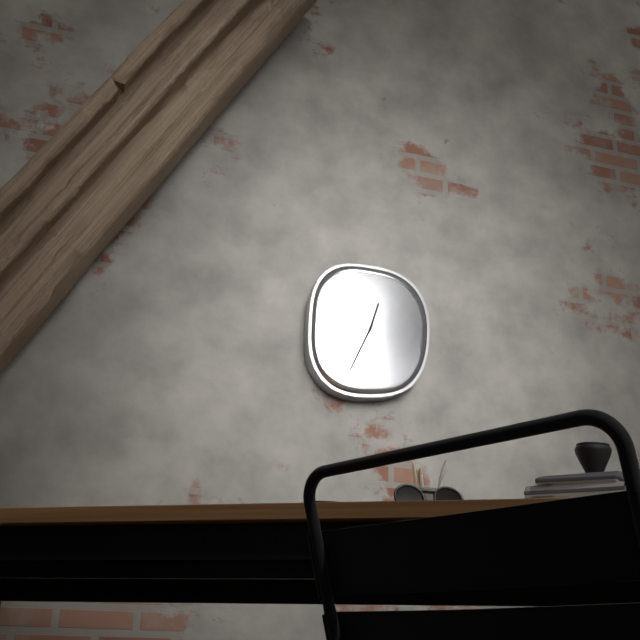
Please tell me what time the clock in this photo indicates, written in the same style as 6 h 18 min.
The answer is 12 h 34 min
